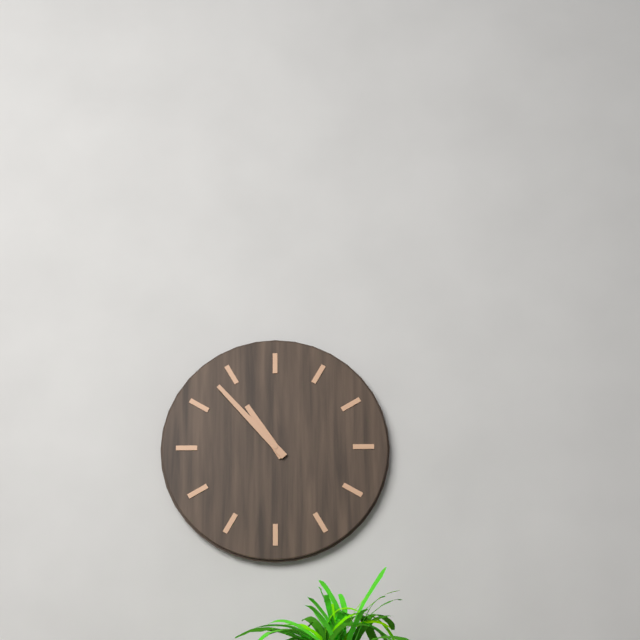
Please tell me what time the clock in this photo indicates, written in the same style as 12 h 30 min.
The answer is 10 h 53 min
